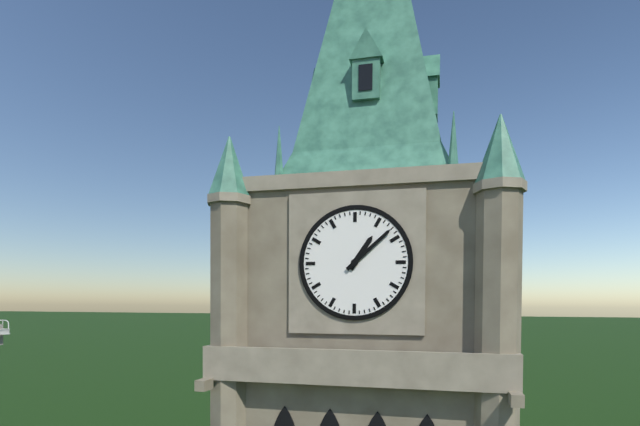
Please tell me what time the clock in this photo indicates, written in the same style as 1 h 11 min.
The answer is 1 h 08 min
